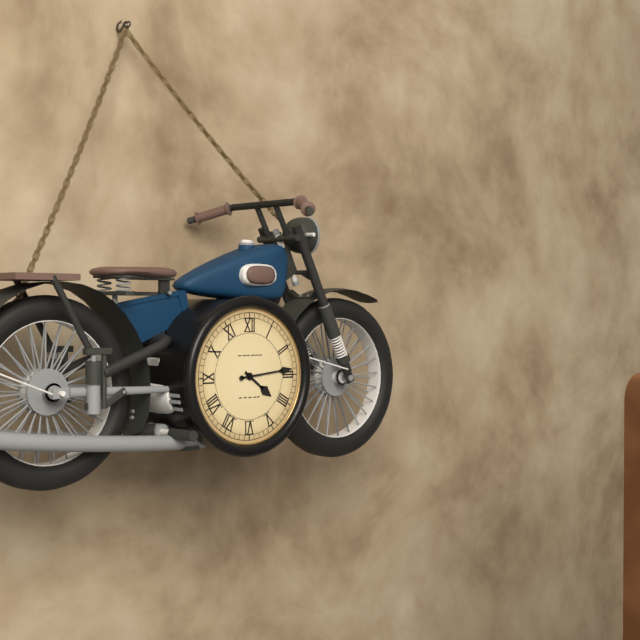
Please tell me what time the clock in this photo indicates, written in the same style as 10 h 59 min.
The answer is 4 h 14 min
